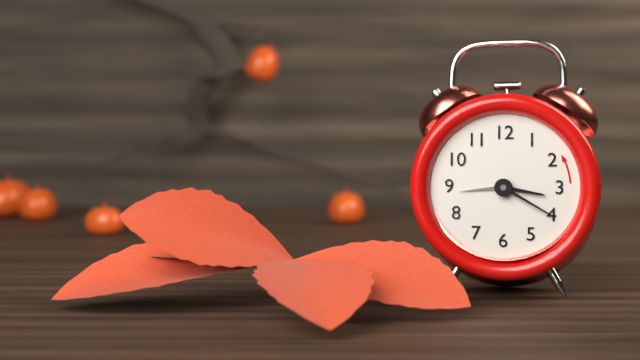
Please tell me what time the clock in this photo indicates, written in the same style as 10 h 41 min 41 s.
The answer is 3 h 20 min 44 s
